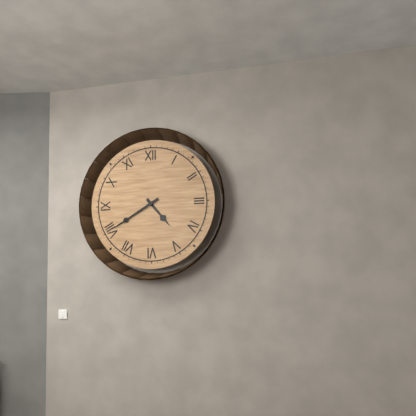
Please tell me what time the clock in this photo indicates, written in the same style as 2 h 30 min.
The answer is 4 h 40 min
